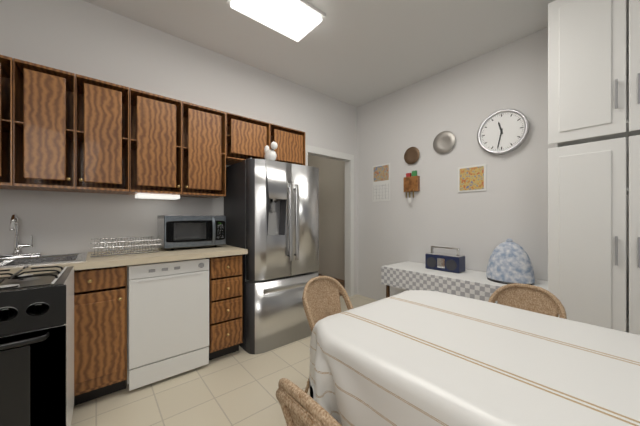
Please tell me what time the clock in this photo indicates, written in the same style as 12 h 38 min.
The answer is 11 h 32 min
